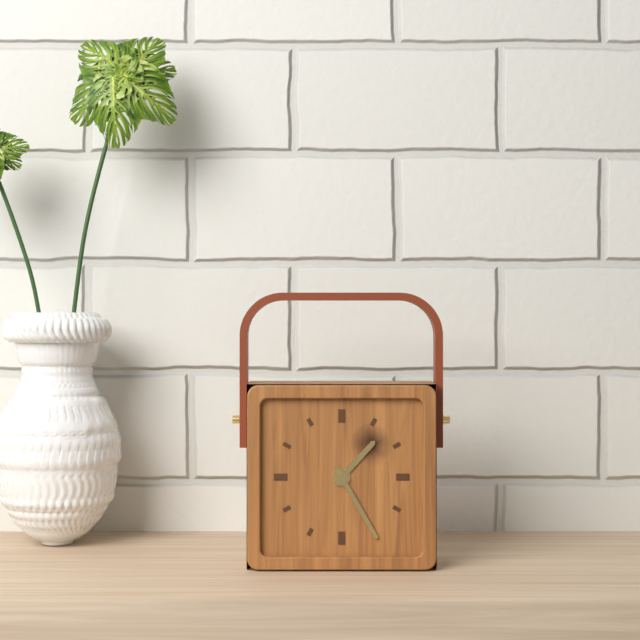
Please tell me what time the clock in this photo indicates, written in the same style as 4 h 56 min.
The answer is 1 h 25 min
